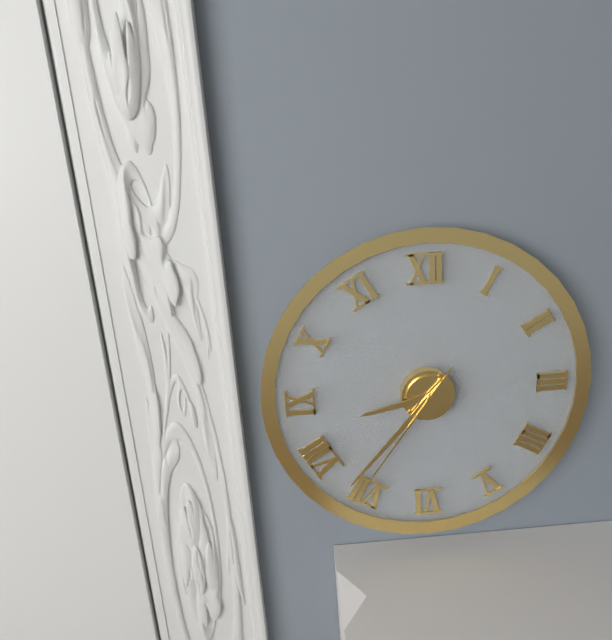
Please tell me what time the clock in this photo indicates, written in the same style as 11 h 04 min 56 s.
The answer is 8 h 37 min 36 s
